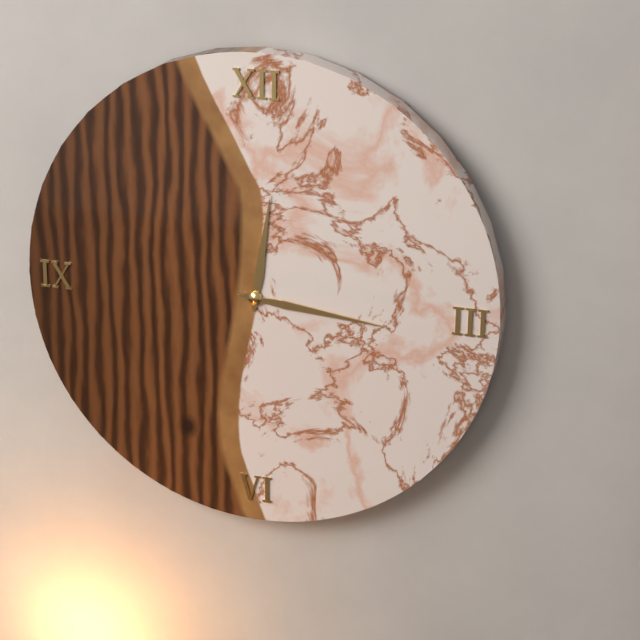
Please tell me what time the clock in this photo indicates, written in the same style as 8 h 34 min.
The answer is 12 h 16 min
